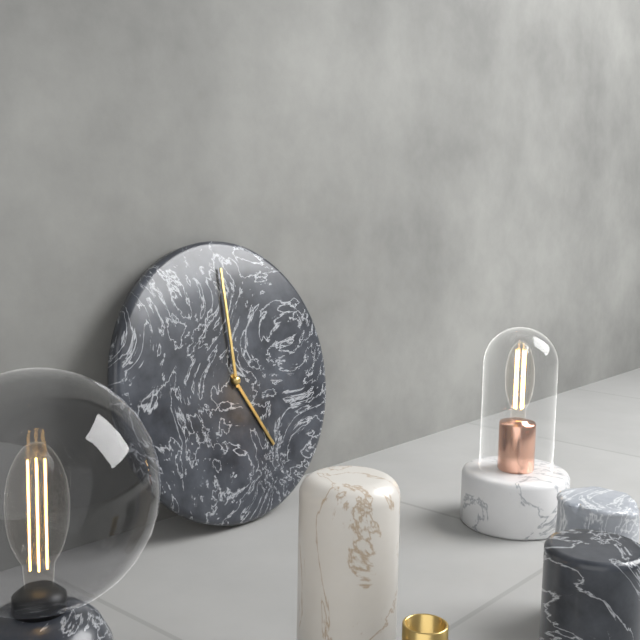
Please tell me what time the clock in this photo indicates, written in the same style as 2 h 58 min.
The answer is 5 h 00 min
